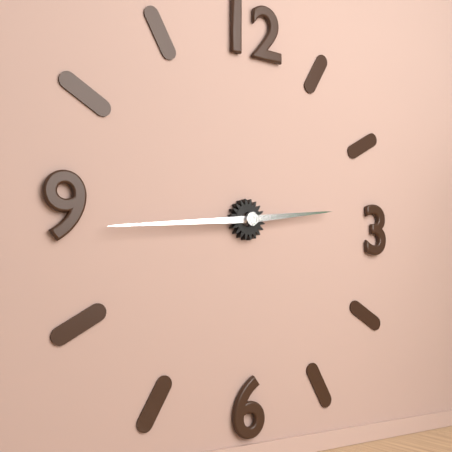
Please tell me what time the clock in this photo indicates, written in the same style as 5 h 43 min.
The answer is 2 h 44 min
